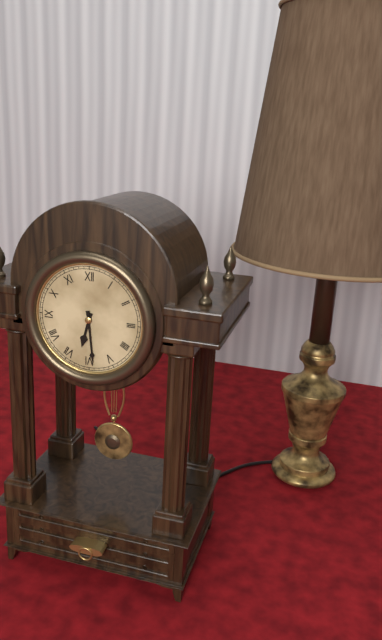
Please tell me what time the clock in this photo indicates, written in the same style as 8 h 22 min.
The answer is 6 h 29 min
